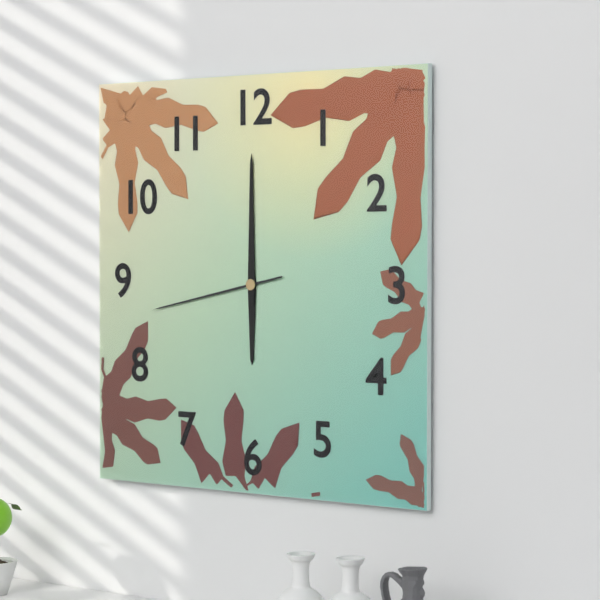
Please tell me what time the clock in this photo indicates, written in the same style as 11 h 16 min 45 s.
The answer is 6 h 00 min 43 s
